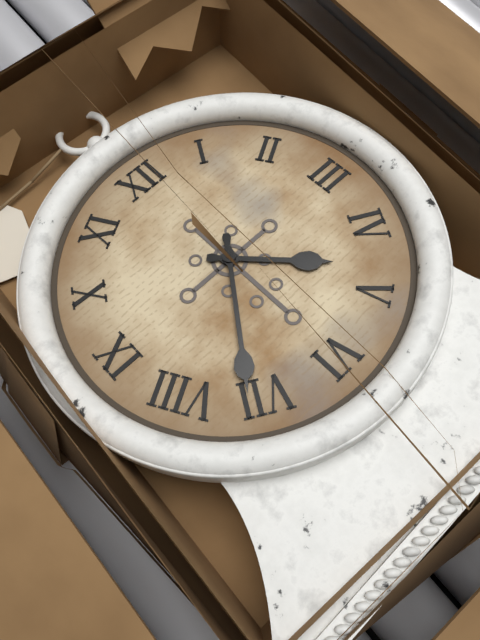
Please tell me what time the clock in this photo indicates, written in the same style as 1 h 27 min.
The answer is 4 h 36 min
